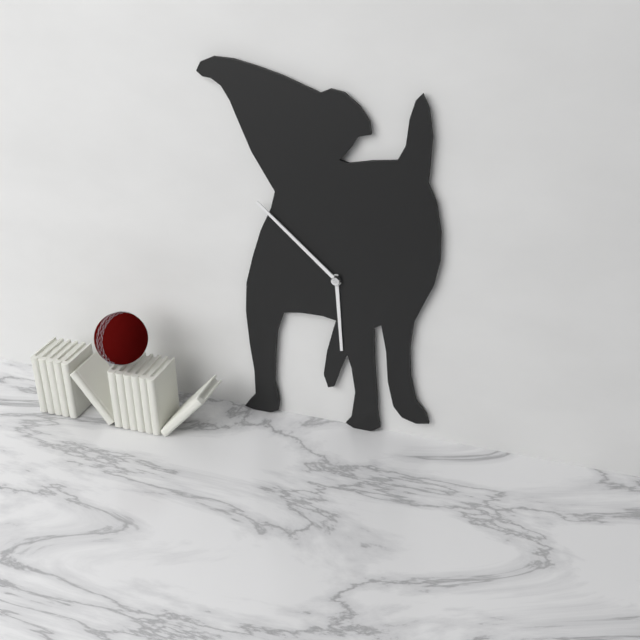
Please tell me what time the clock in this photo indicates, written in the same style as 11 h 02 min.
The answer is 5 h 52 min
